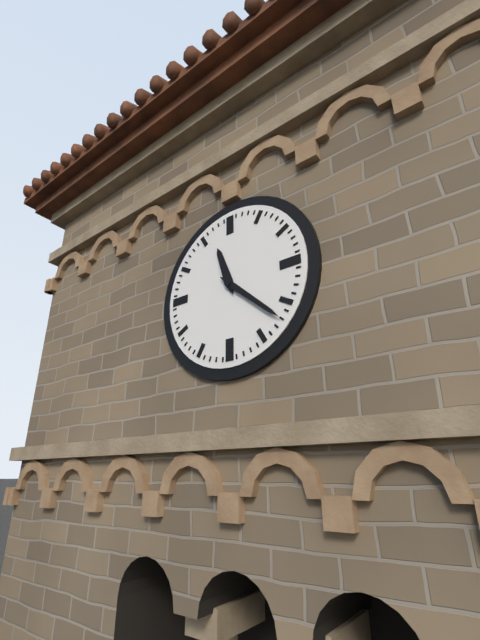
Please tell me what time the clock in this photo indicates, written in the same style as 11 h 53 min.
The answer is 11 h 22 min
